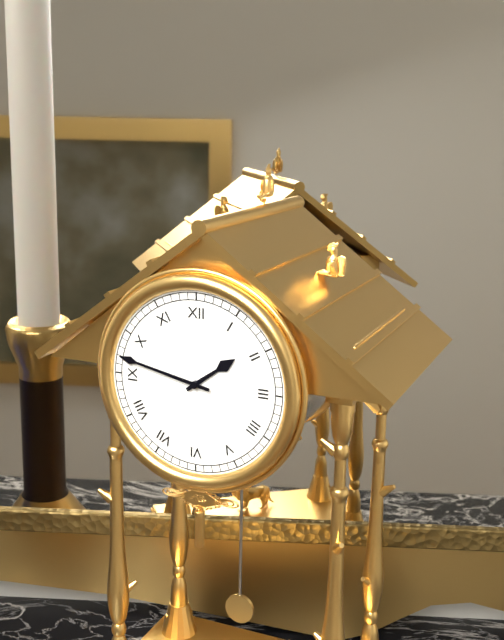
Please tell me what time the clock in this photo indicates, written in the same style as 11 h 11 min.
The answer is 1 h 47 min
